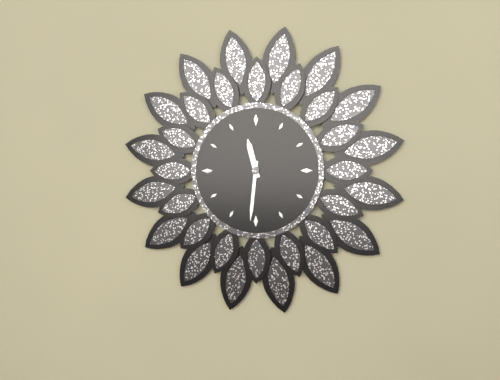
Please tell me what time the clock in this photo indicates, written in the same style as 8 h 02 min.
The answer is 11 h 31 min
